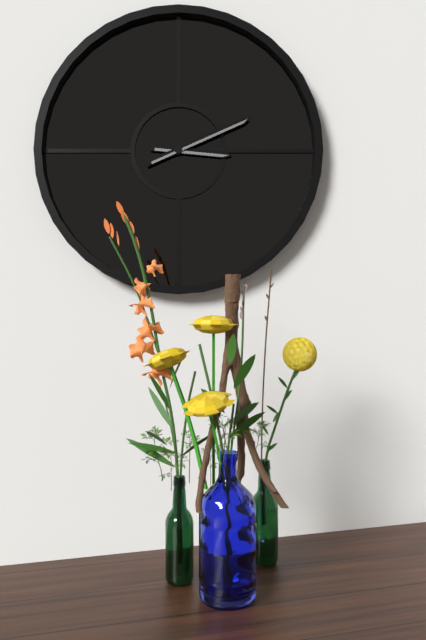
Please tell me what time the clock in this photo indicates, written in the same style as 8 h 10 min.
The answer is 3 h 11 min
